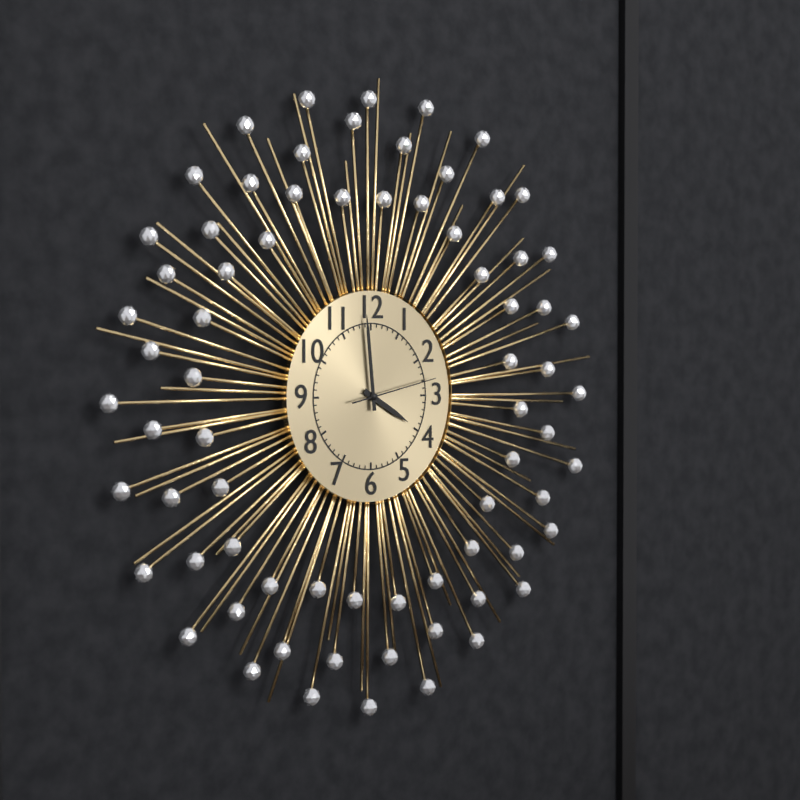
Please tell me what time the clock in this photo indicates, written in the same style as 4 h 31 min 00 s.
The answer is 3 h 59 min 13 s
